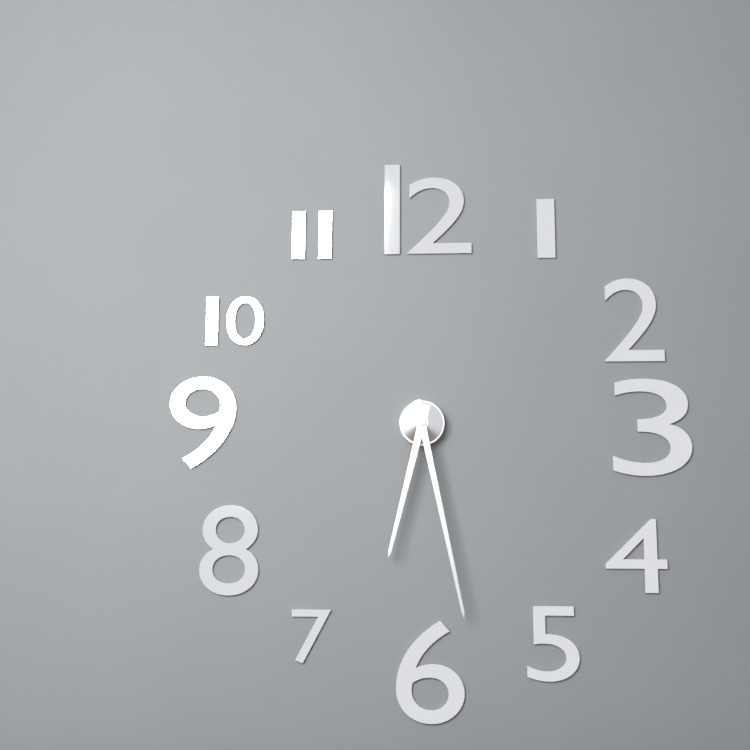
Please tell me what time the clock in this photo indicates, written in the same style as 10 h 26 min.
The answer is 6 h 28 min
